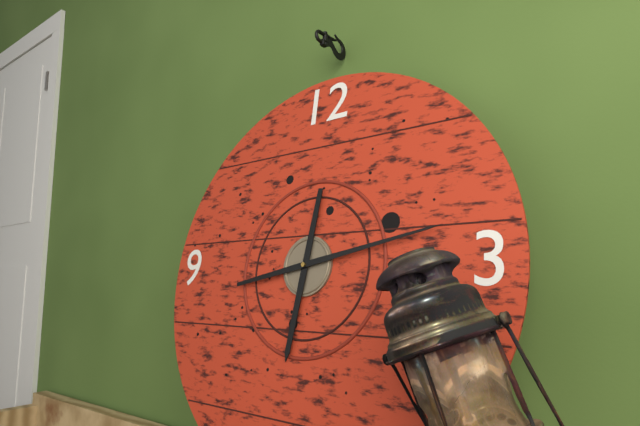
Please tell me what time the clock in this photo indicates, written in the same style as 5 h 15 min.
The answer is 6 h 13 min
